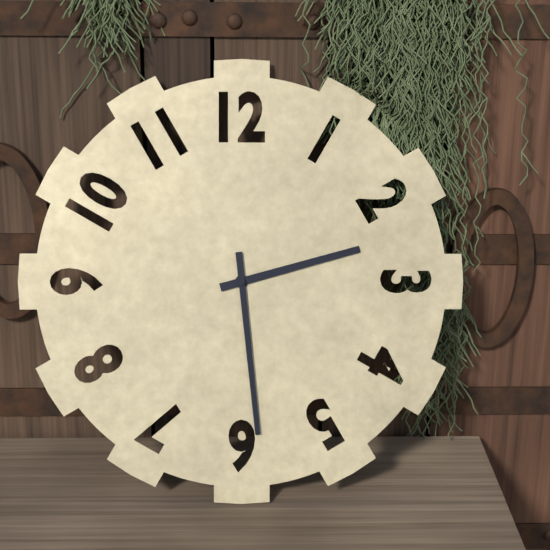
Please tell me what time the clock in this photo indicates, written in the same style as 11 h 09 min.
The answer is 2 h 29 min
